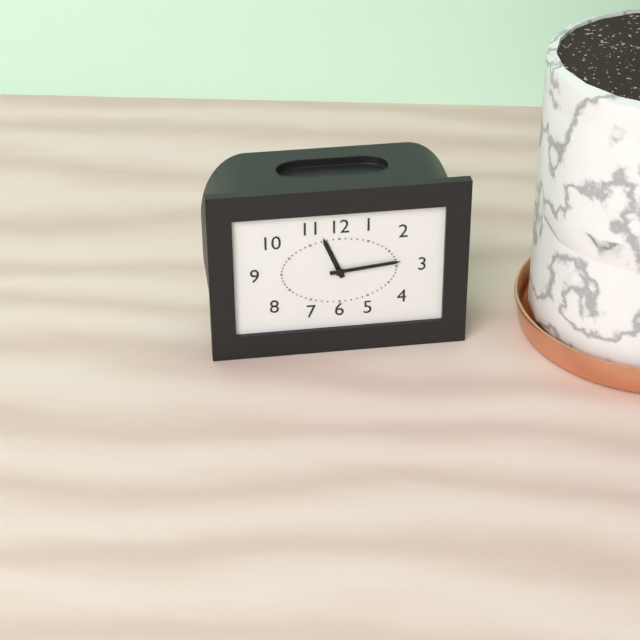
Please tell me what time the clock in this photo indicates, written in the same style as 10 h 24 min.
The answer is 11 h 14 min
